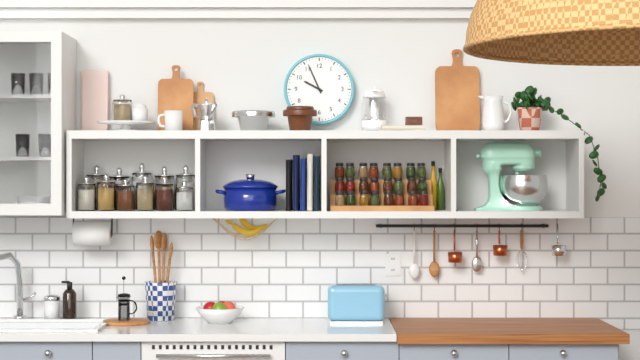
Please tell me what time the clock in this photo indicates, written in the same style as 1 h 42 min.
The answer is 9 h 56 min
